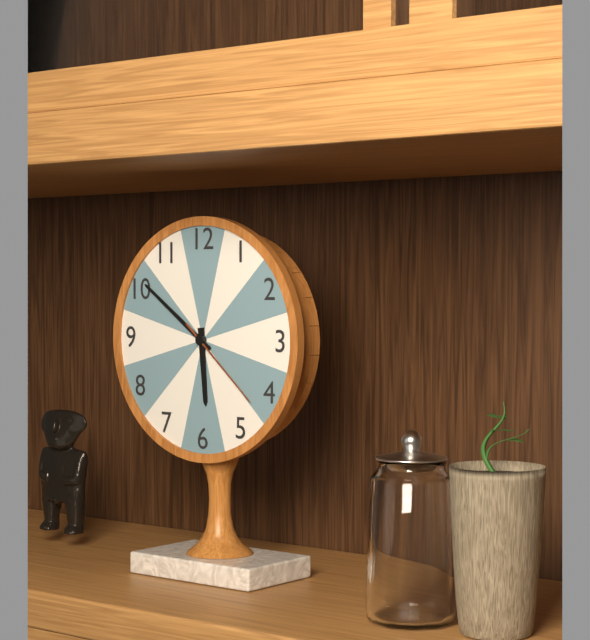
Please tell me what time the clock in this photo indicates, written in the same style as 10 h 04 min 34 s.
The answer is 5 h 51 min 22 s
